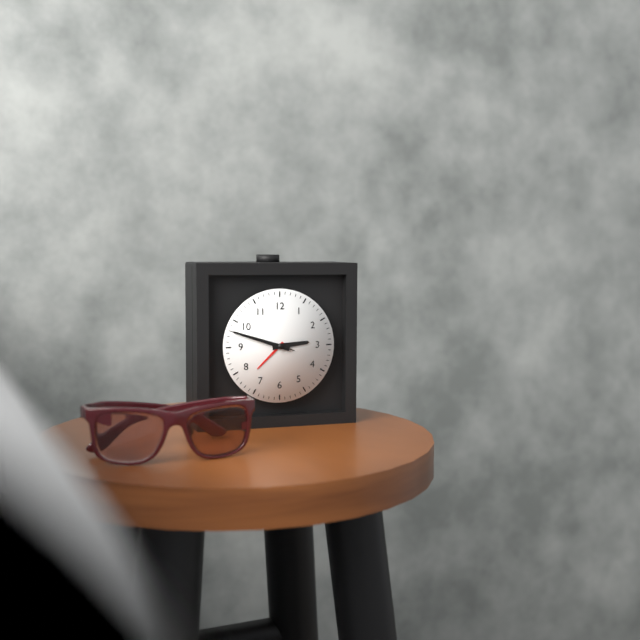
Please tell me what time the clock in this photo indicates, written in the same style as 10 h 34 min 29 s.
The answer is 2 h 48 min 48 s
